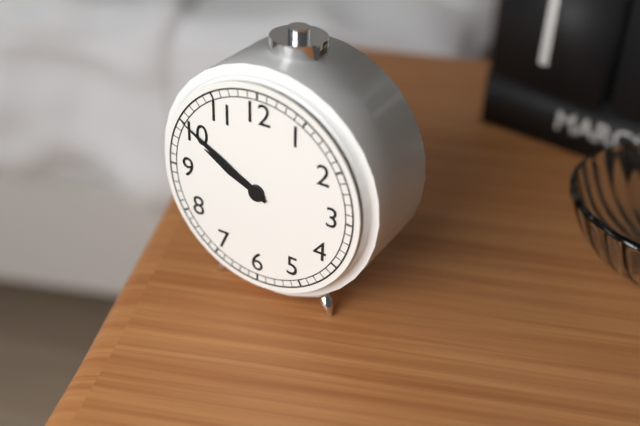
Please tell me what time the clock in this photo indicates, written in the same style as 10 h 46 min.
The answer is 9 h 50 min
